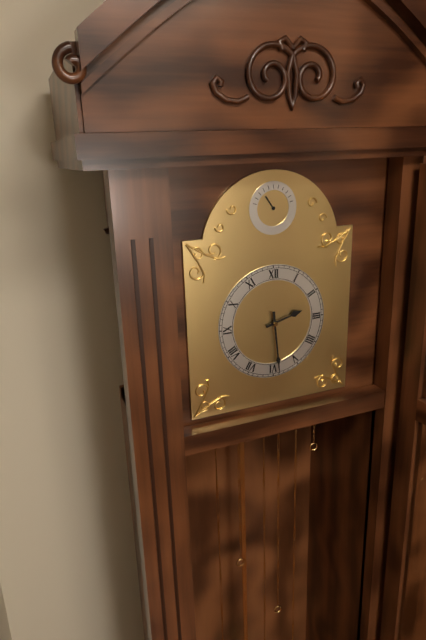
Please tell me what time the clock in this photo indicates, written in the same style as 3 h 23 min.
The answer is 2 h 29 min
